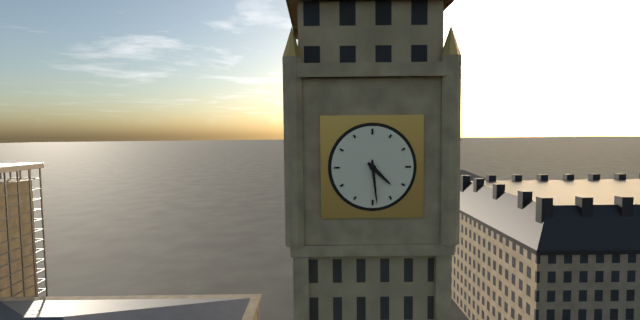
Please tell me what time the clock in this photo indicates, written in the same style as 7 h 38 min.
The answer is 4 h 29 min
